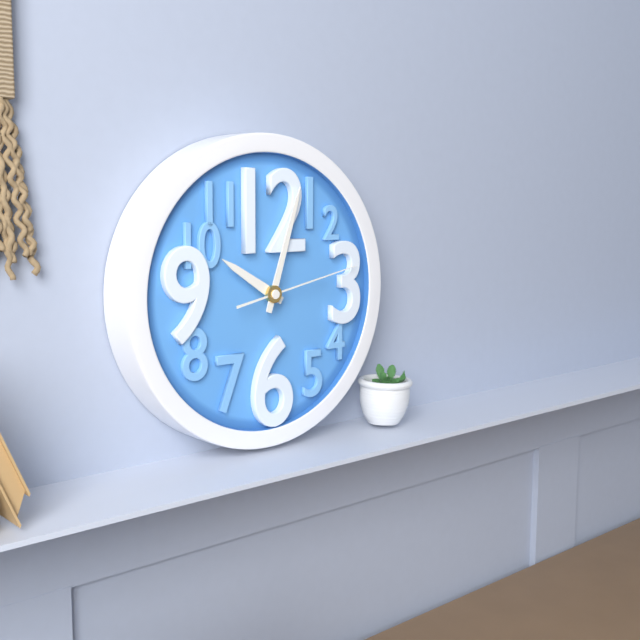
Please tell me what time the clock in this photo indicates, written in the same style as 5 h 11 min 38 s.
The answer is 10 h 03 min 13 s
